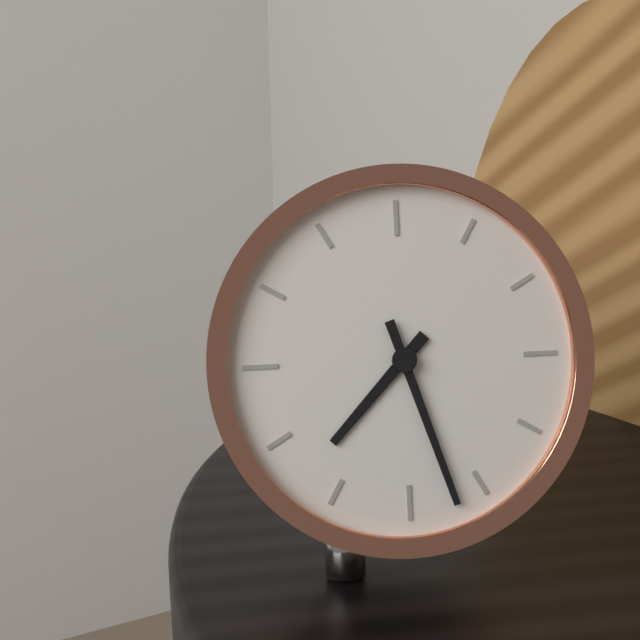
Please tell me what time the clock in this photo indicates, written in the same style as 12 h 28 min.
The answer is 7 h 27 min
